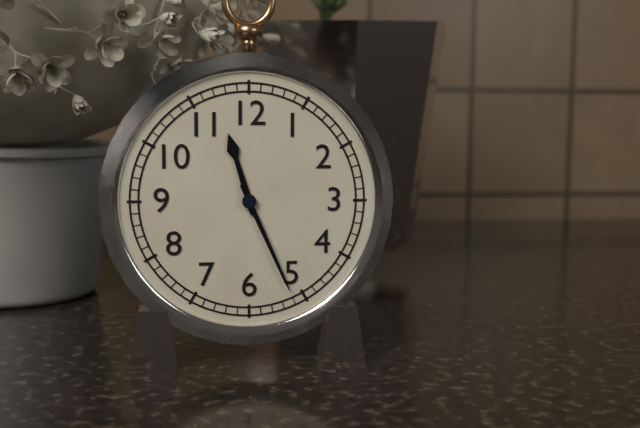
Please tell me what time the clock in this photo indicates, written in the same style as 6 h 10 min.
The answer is 11 h 26 min
